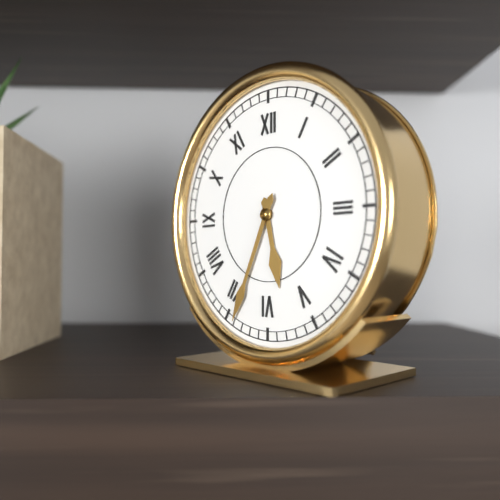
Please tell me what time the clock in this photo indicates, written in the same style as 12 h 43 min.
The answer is 5 h 34 min
